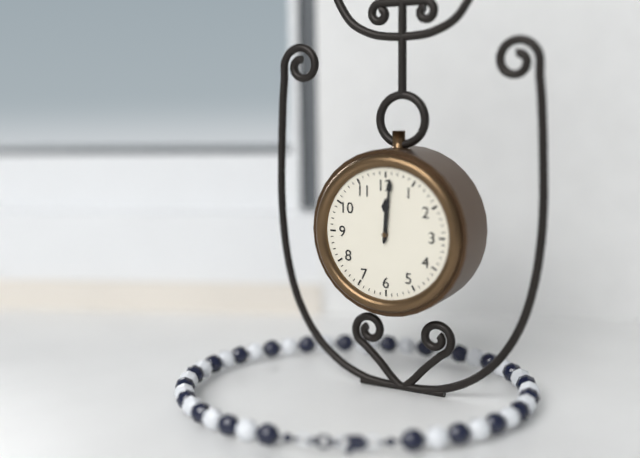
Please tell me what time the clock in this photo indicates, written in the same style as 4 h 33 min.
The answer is 12 h 01 min
